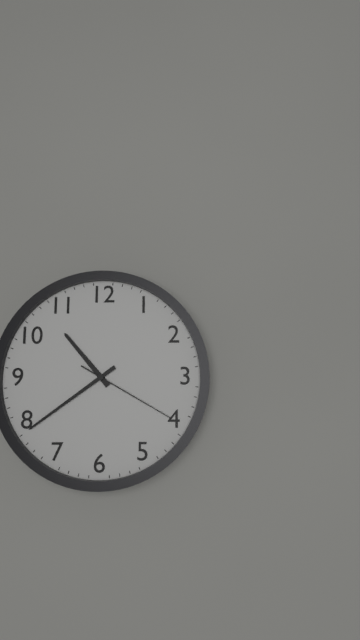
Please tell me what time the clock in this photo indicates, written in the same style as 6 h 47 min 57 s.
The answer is 10 h 39 min 20 s
